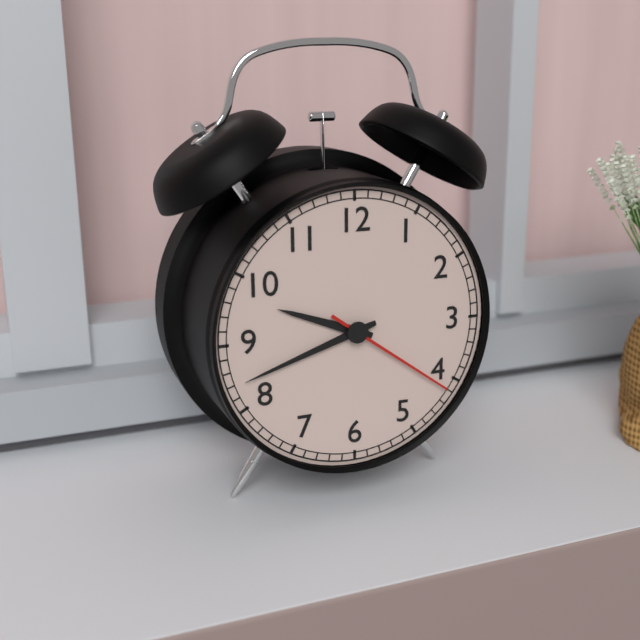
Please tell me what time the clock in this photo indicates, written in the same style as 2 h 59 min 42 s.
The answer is 9 h 42 min 21 s
